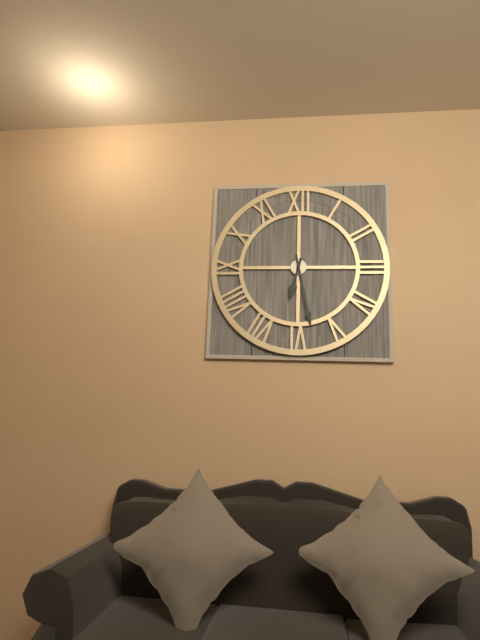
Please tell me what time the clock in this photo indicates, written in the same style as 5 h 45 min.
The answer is 6 h 28 min
